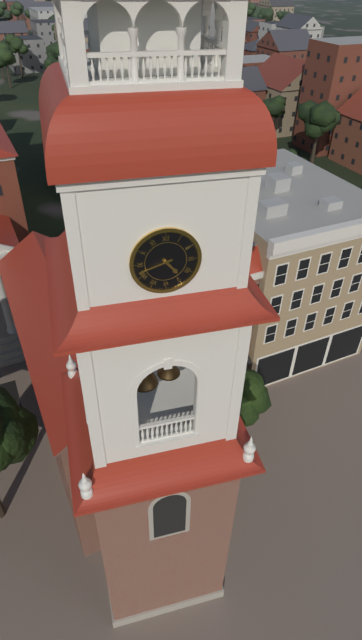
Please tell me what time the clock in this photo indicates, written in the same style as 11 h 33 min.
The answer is 4 h 42 min
